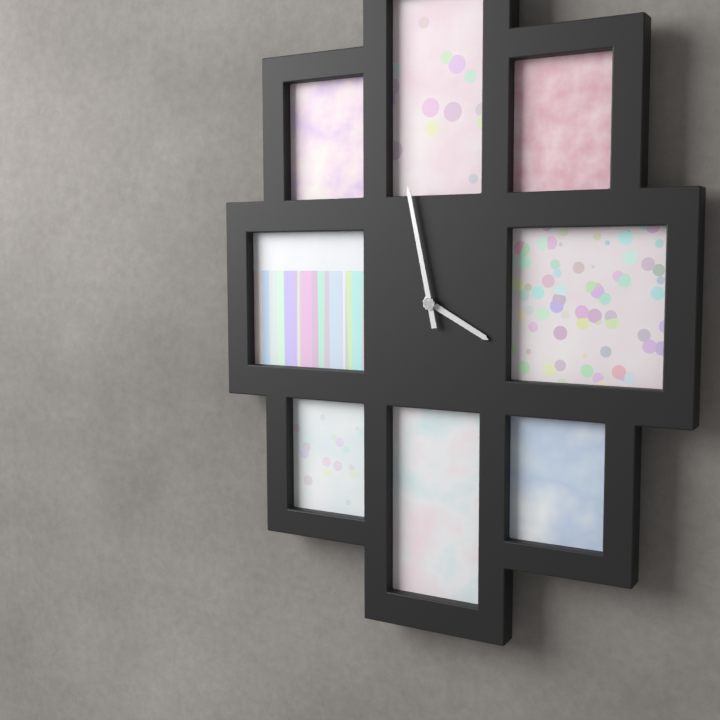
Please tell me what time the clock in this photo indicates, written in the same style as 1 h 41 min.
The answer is 3 h 58 min
